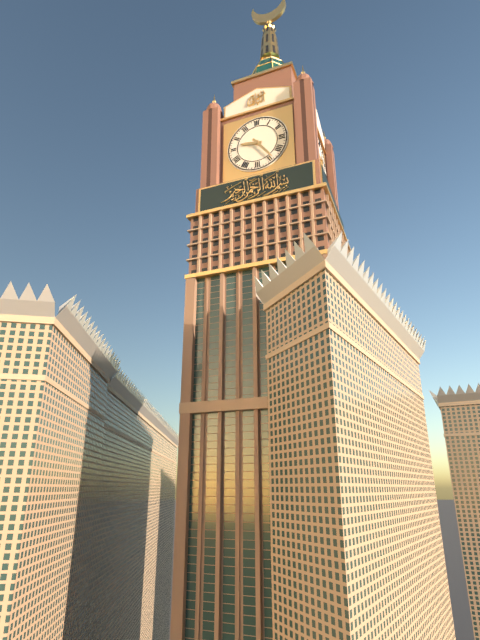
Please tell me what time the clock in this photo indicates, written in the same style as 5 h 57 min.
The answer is 9 h 24 min
